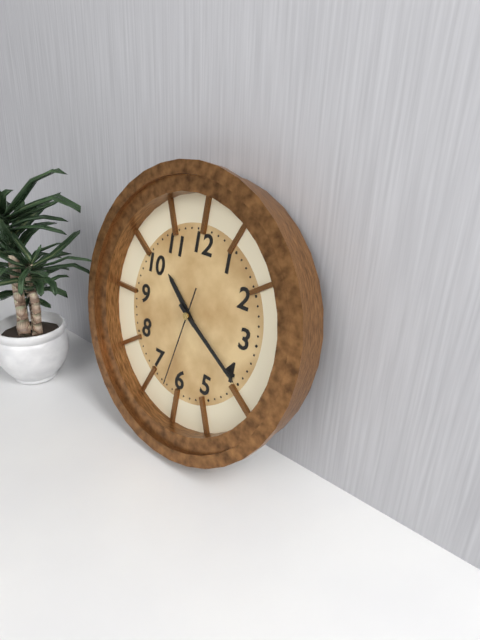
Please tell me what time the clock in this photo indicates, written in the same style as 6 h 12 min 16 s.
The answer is 10 h 20 min 32 s
